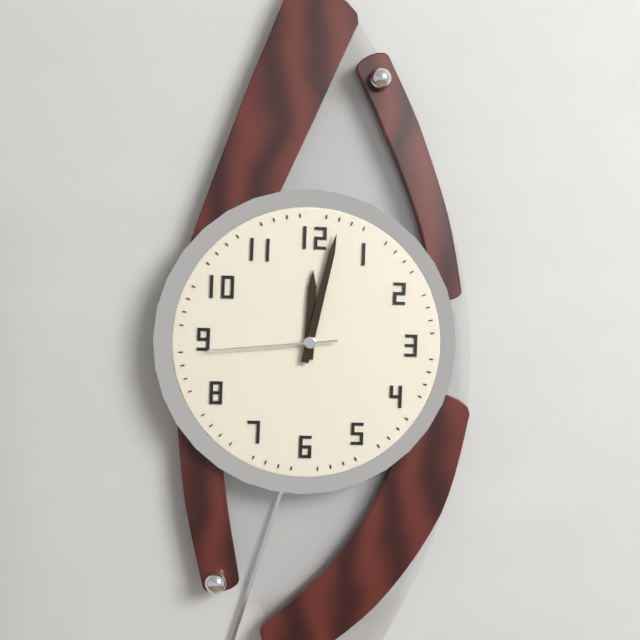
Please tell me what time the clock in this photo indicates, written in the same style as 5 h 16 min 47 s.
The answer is 12 h 02 min 44 s
